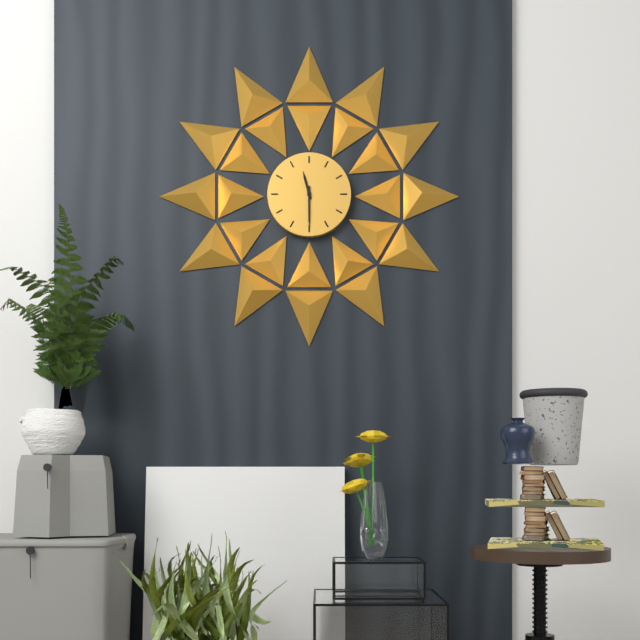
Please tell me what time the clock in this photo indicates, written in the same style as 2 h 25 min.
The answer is 11 h 30 min
